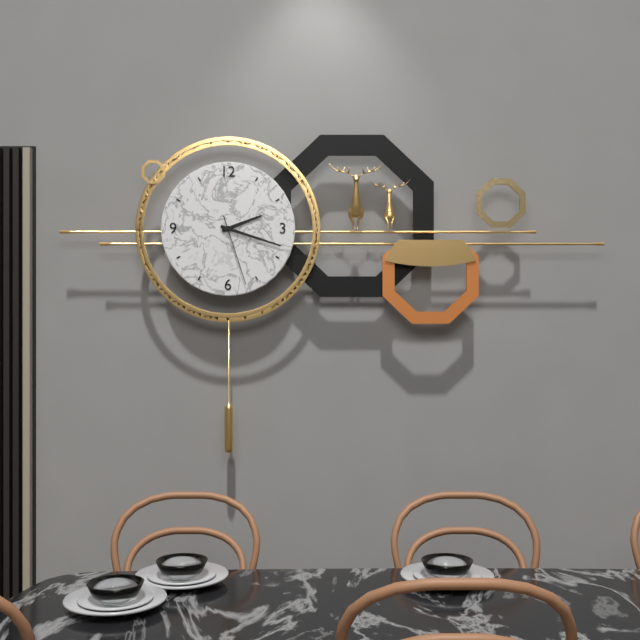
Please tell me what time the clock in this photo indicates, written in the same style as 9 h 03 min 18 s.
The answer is 2 h 18 min 27 s
